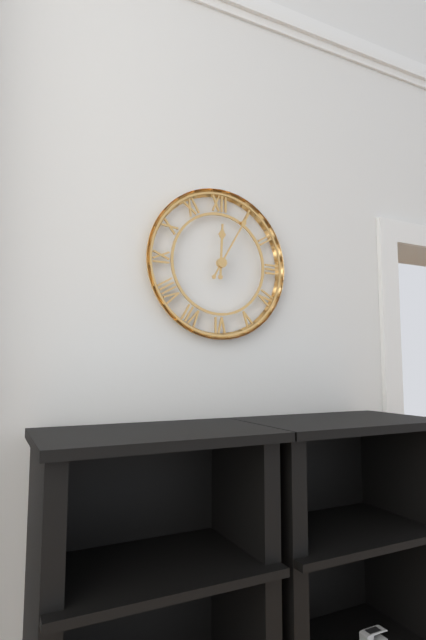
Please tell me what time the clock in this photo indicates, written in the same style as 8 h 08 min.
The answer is 12 h 05 min
